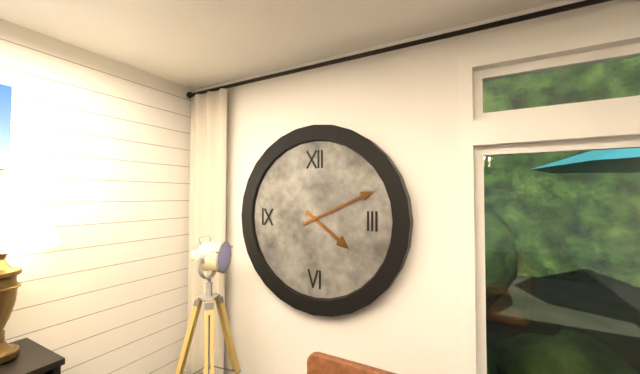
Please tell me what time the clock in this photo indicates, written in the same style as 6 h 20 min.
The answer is 4 h 11 min
